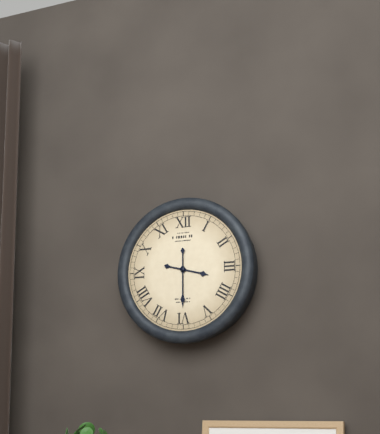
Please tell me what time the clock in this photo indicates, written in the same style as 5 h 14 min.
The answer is 3 h 30 min
